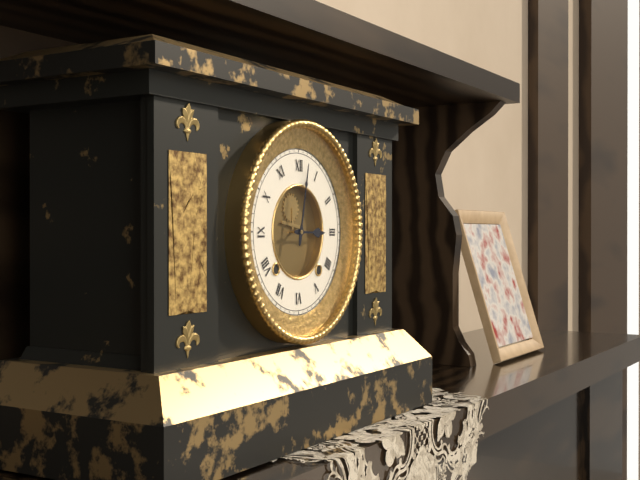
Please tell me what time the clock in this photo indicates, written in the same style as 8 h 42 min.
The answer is 3 h 02 min
